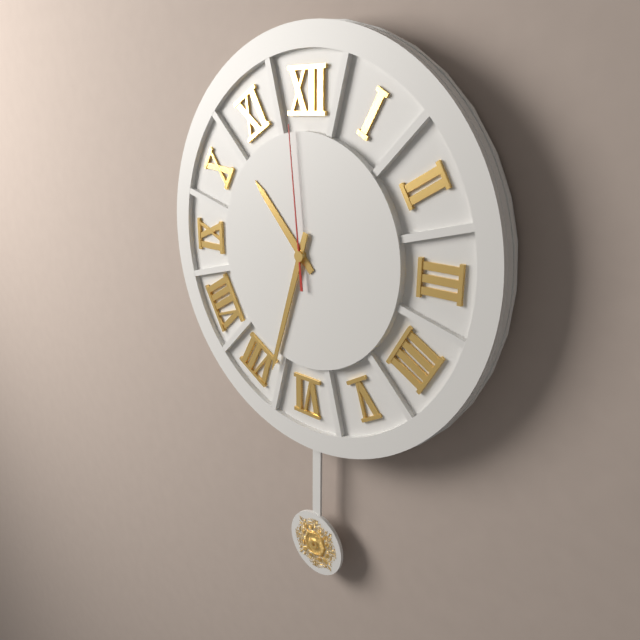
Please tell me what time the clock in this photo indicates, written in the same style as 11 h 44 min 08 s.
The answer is 10 h 33 min 59 s
